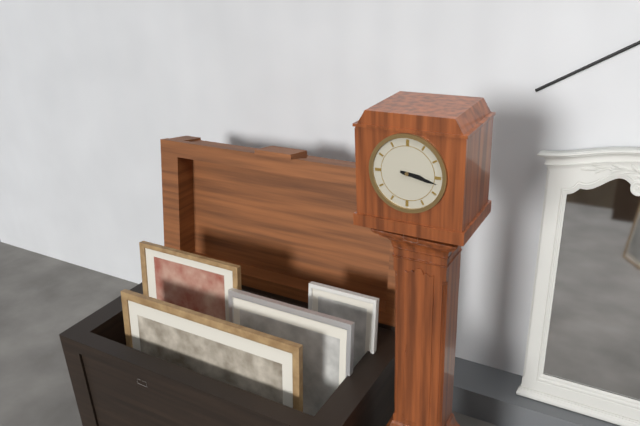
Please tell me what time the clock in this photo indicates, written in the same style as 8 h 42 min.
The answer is 3 h 17 min
